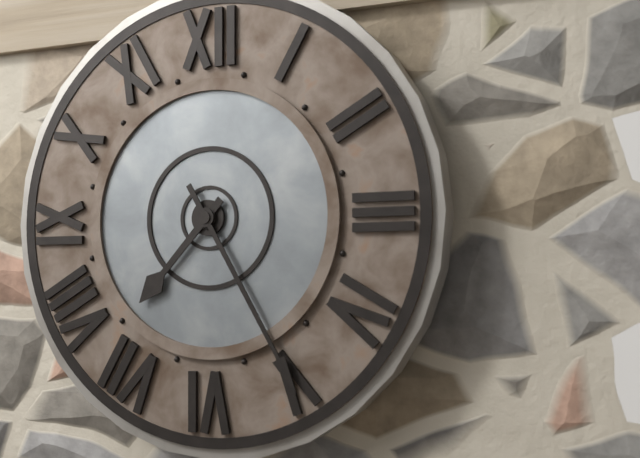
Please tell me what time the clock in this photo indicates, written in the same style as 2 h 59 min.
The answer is 7 h 25 min
